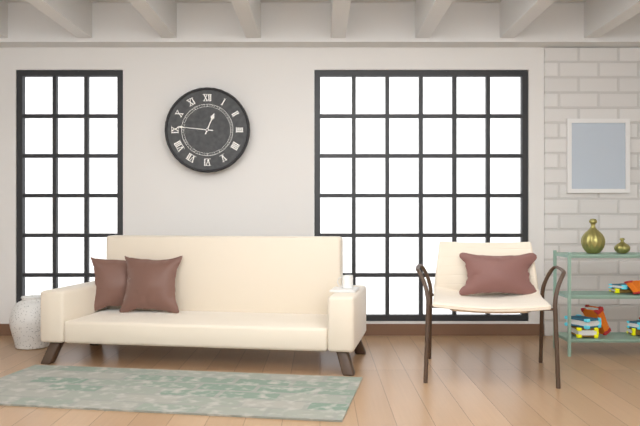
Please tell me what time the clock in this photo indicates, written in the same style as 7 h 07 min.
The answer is 12 h 46 min
